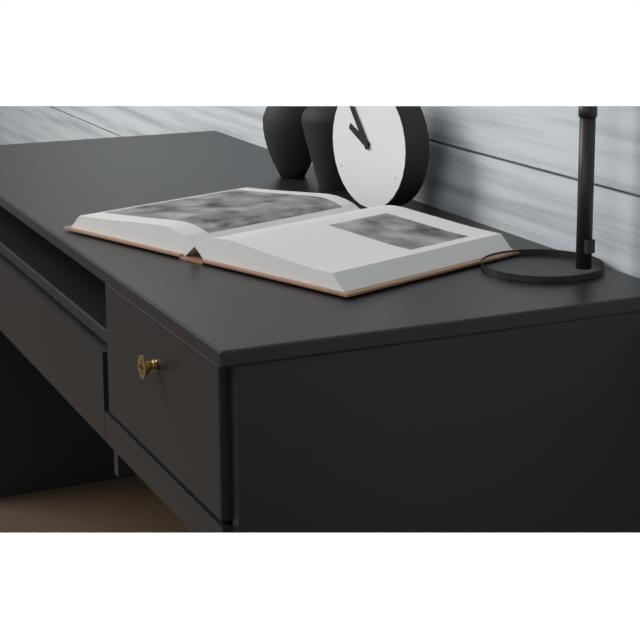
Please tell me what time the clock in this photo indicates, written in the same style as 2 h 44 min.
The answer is 9 h 54 min
